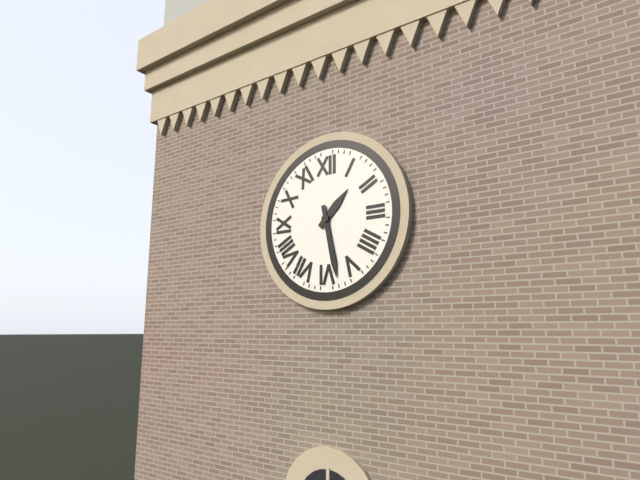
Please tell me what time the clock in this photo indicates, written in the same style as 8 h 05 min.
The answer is 1 h 28 min
